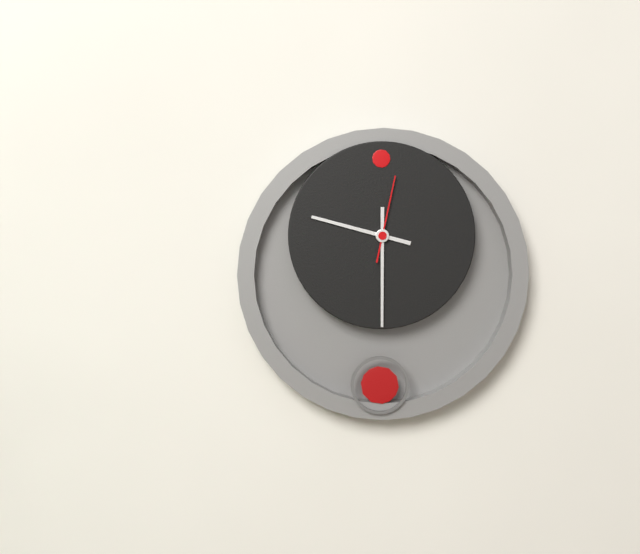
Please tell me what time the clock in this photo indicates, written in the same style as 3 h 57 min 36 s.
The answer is 9 h 30 min 02 s
